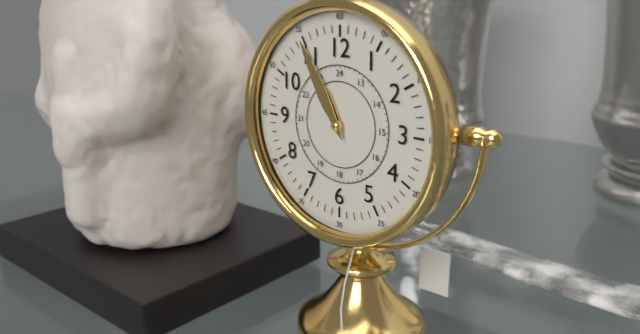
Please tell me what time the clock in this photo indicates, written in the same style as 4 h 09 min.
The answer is 10 h 55 min
